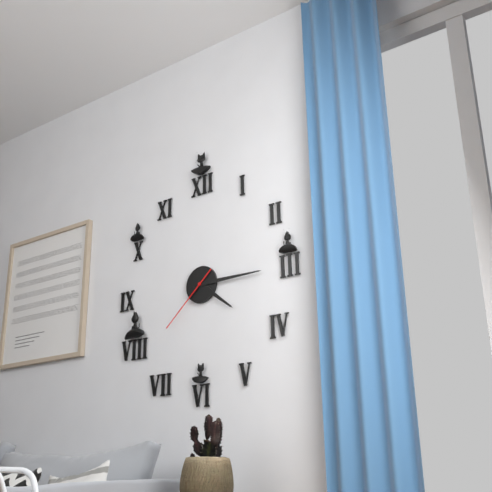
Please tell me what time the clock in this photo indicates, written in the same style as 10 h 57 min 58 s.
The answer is 4 h 15 min 38 s
